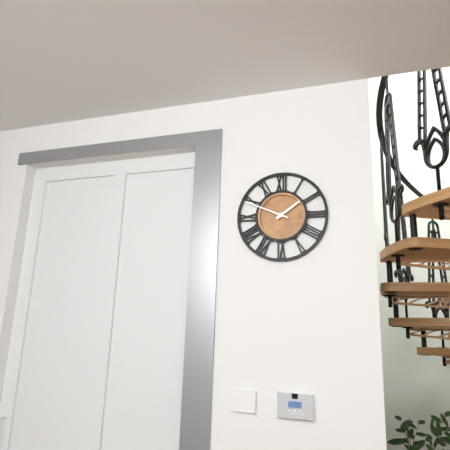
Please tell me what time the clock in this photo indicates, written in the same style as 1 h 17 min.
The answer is 1 h 49 min
